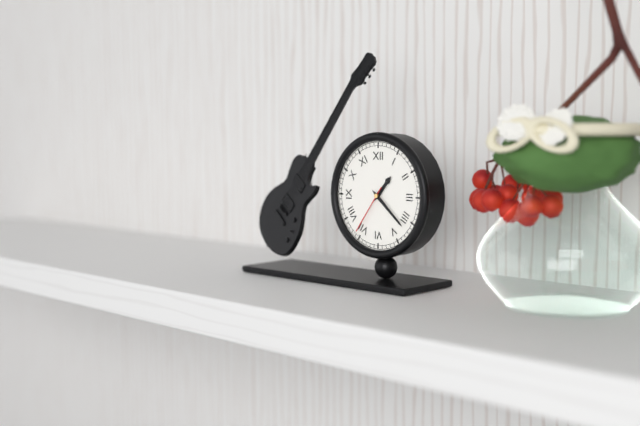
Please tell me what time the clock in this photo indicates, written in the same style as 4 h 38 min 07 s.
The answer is 1 h 22 min 36 s
